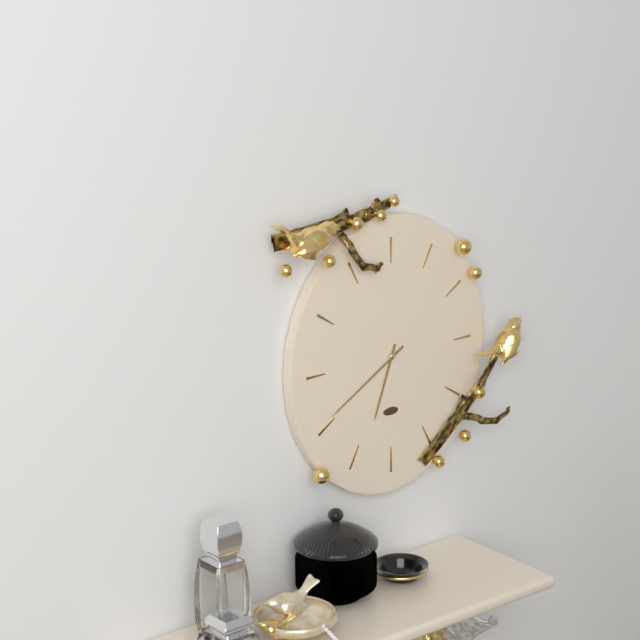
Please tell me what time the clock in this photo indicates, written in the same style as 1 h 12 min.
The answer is 6 h 40 min
